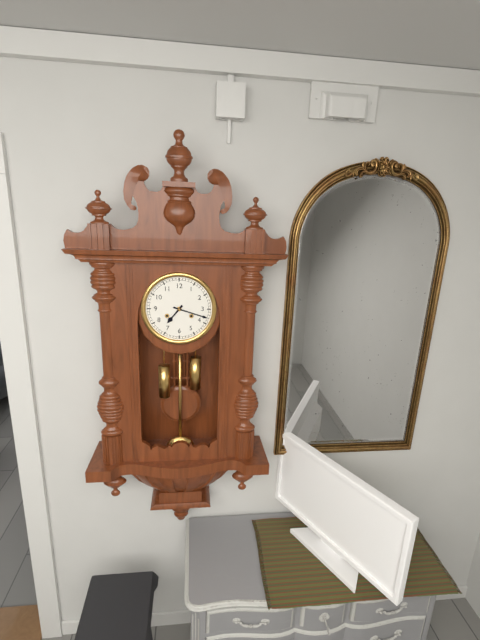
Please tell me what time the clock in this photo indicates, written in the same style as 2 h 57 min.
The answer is 7 h 18 min
